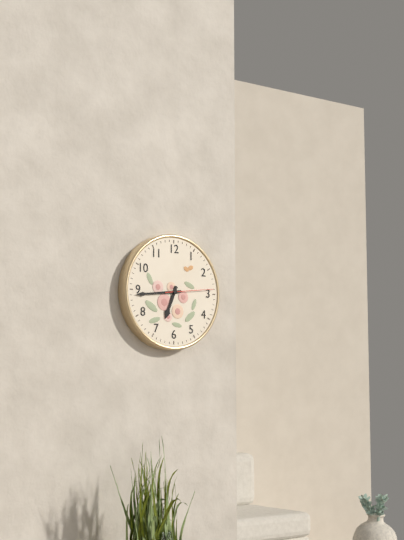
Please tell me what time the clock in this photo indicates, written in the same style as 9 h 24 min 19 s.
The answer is 6 h 44 min 14 s
